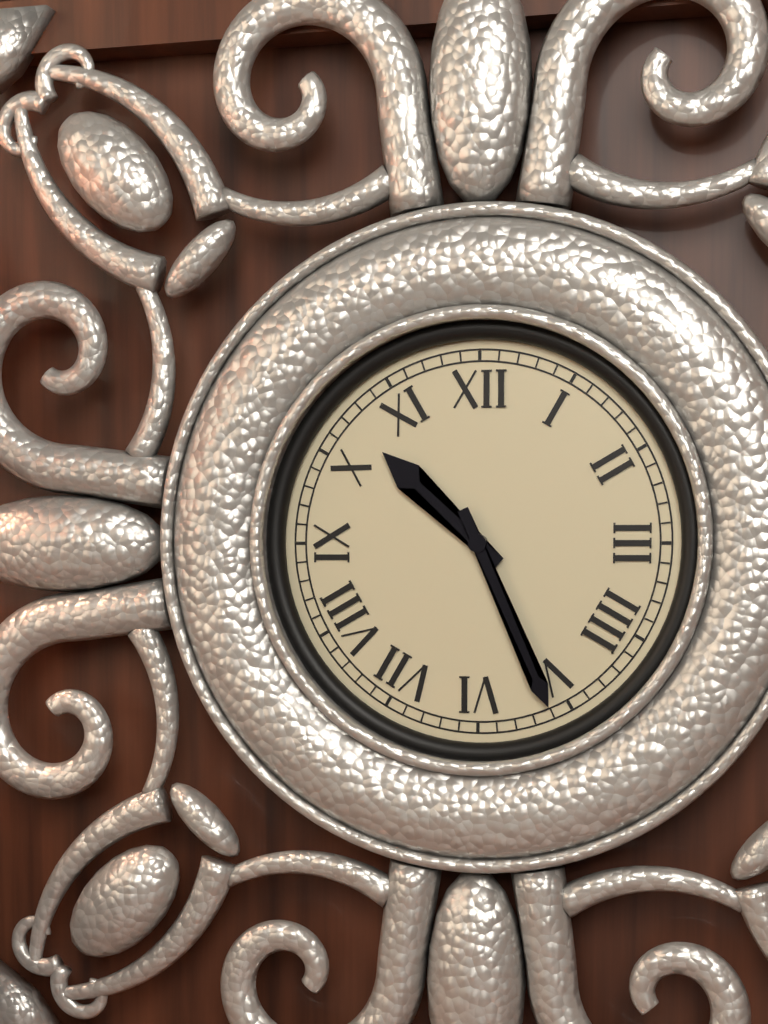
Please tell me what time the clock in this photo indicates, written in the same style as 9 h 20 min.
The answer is 10 h 26 min
